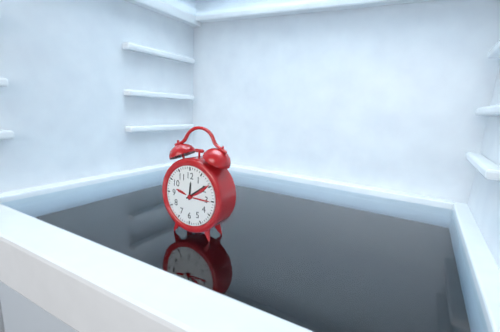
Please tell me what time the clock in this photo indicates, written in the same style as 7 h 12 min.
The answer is 12 h 09 min
